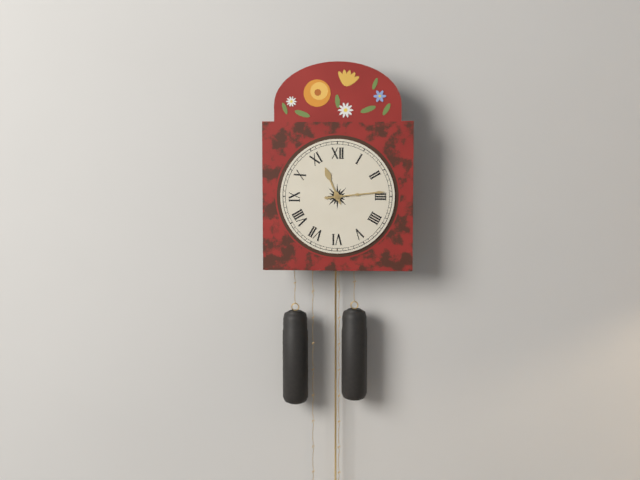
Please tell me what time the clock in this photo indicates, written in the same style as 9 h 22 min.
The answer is 11 h 14 min
